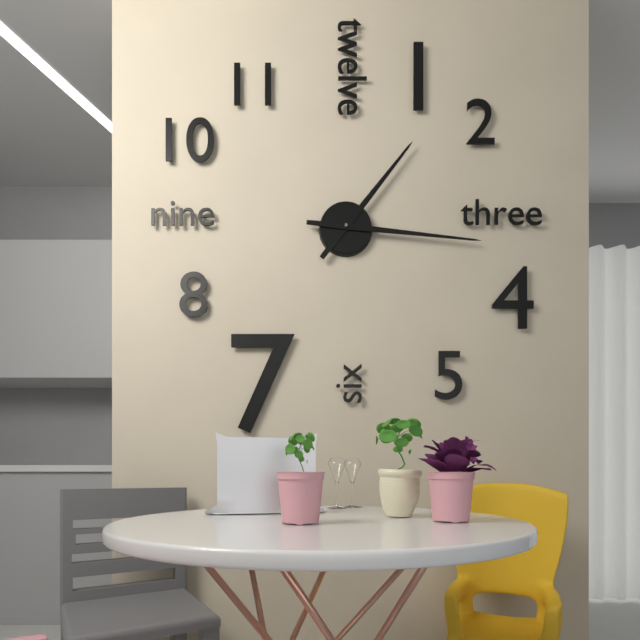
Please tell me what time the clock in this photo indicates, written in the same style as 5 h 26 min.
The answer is 1 h 16 min
